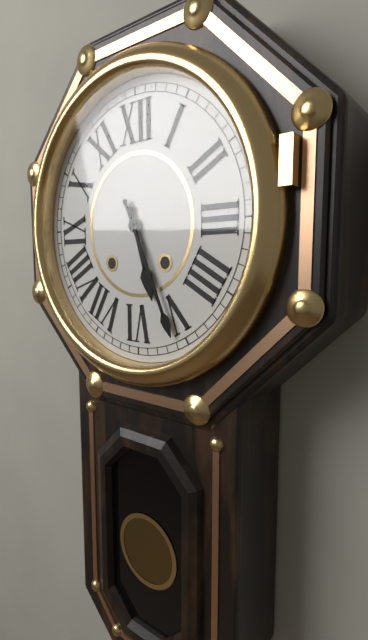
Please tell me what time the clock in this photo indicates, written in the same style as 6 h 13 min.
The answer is 5 h 26 min
